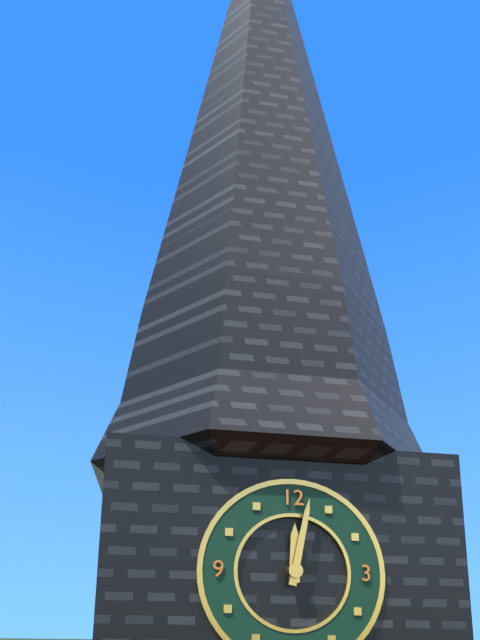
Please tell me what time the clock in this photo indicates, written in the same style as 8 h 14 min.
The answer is 12 h 02 min
